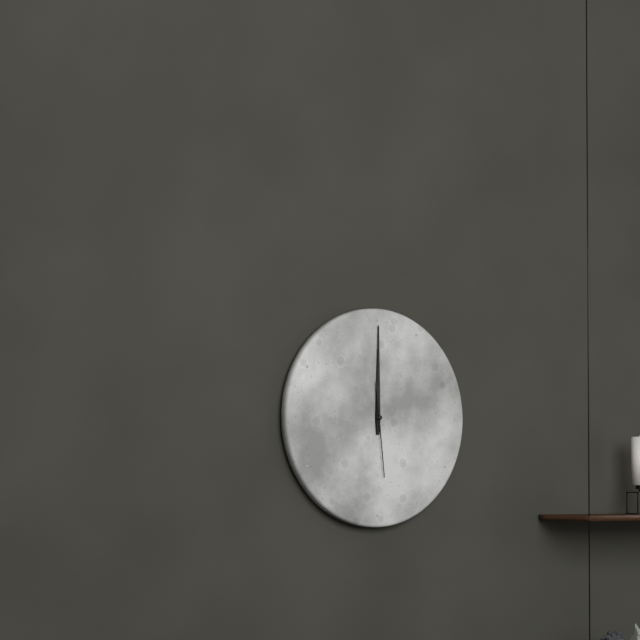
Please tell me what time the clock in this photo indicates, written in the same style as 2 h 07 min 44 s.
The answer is 12 h 00 min 29 s
